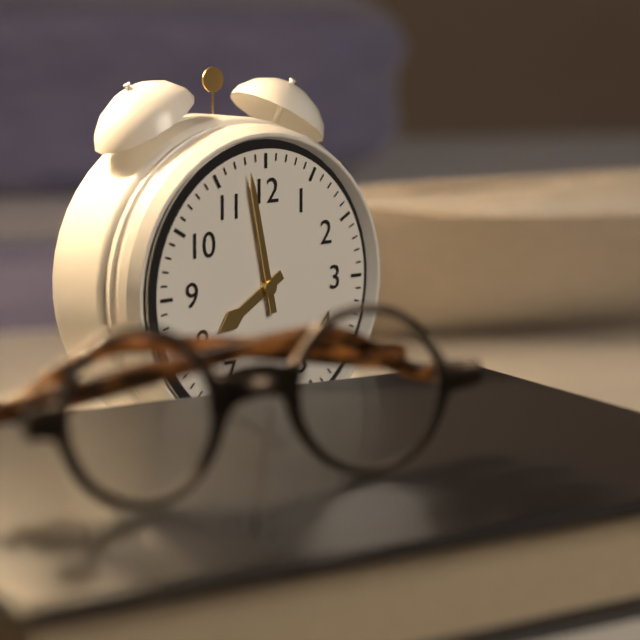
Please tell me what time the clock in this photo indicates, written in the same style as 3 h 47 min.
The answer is 7 h 58 min
